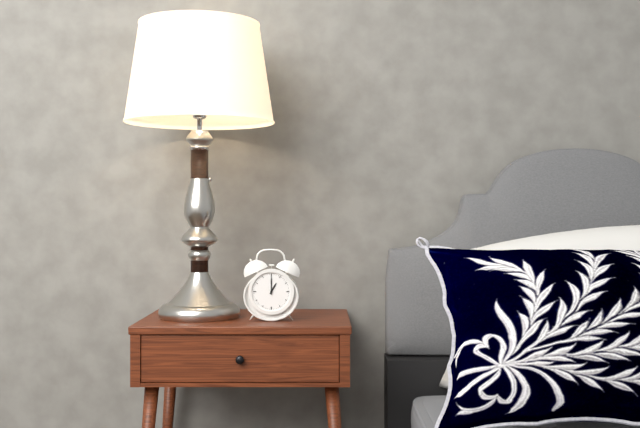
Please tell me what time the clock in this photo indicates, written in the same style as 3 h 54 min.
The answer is 1 h 00 min
